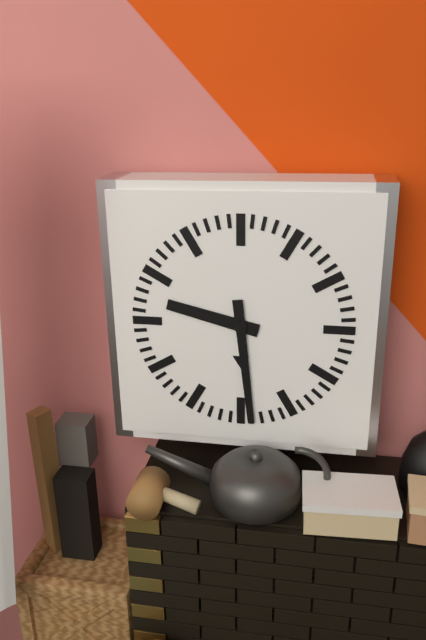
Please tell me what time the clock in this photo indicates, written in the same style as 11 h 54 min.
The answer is 9 h 29 min
